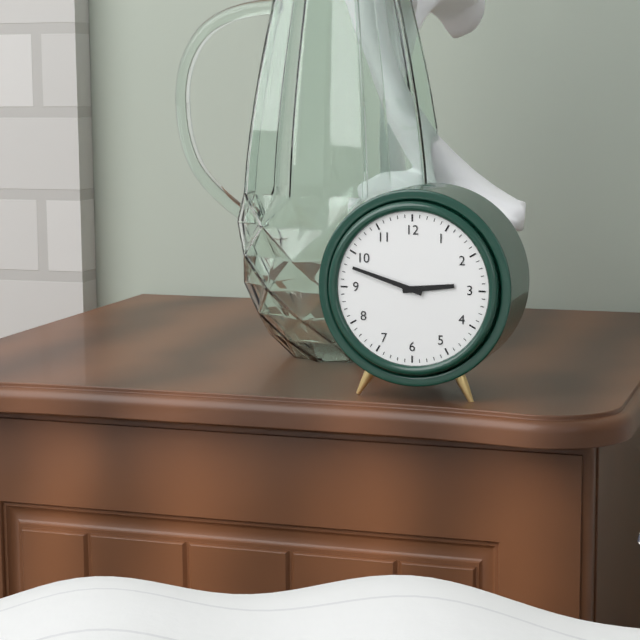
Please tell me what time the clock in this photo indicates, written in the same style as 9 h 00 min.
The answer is 2 h 48 min
